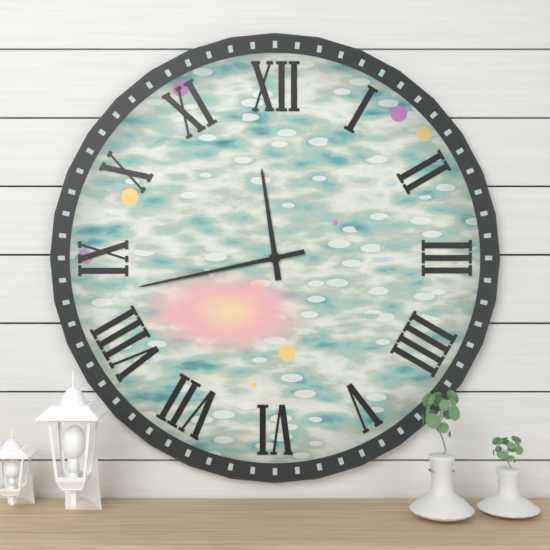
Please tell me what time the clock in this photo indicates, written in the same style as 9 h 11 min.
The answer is 11 h 43 min
